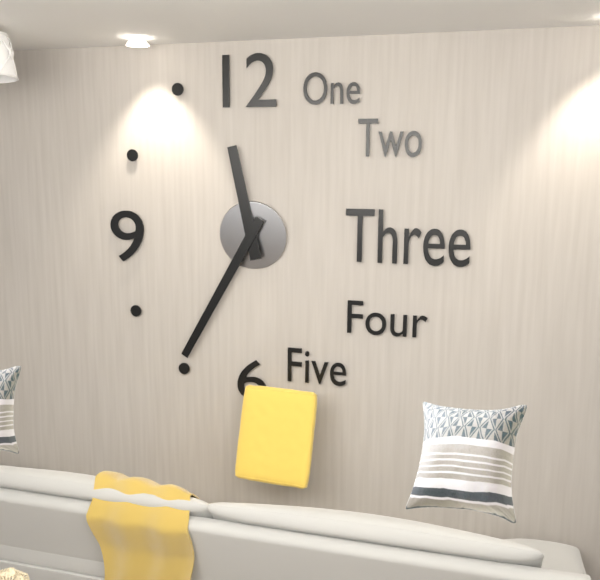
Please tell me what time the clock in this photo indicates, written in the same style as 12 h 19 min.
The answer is 11 h 35 min
